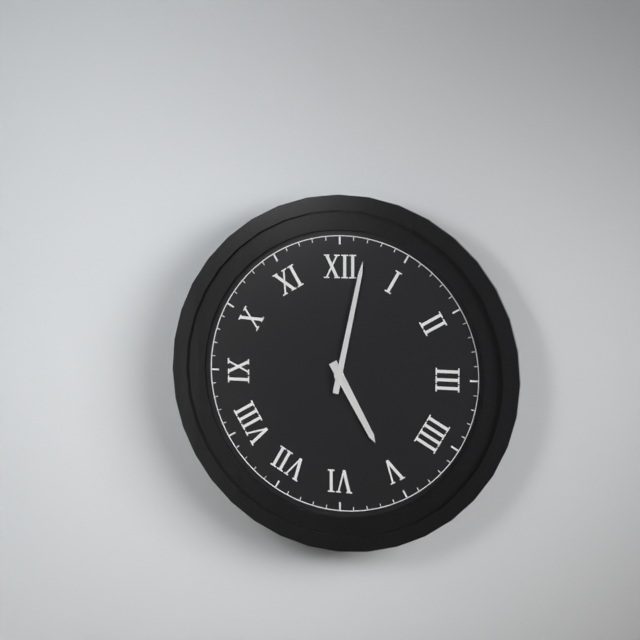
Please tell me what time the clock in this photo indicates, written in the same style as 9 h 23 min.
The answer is 5 h 02 min
